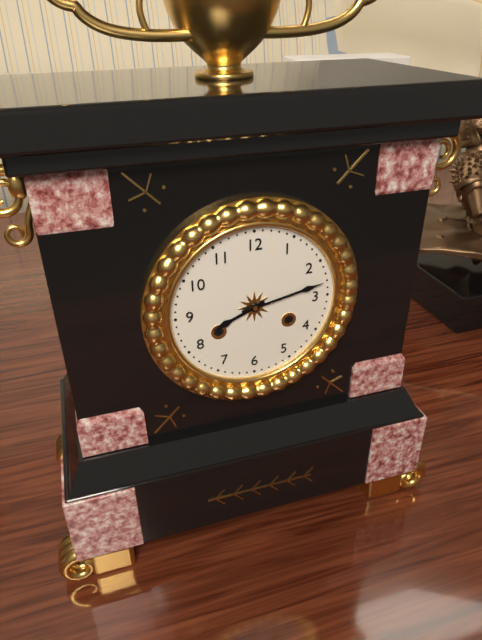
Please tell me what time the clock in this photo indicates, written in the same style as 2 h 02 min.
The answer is 8 h 13 min
